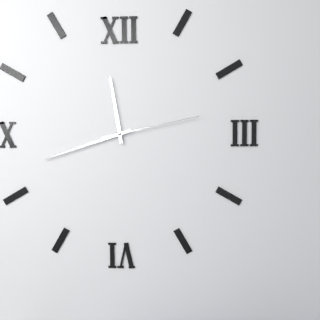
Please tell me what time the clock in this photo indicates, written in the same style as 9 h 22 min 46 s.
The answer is 11 h 42 min 13 s
